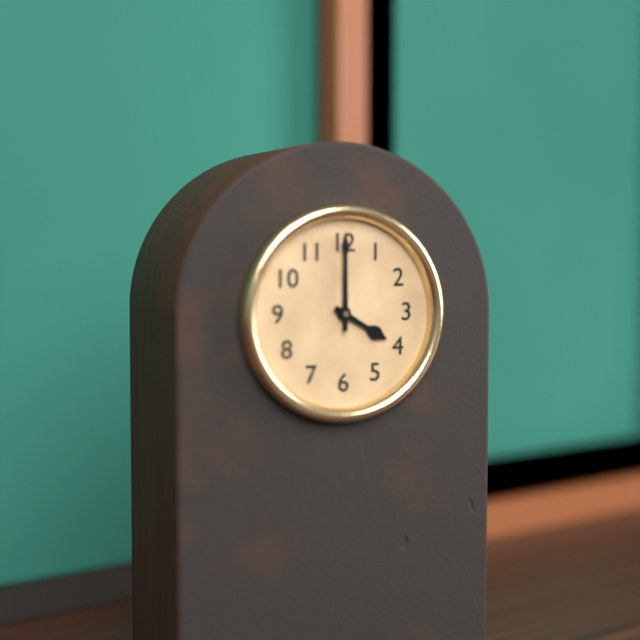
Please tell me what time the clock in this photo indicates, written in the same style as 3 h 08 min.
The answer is 4 h 00 min
